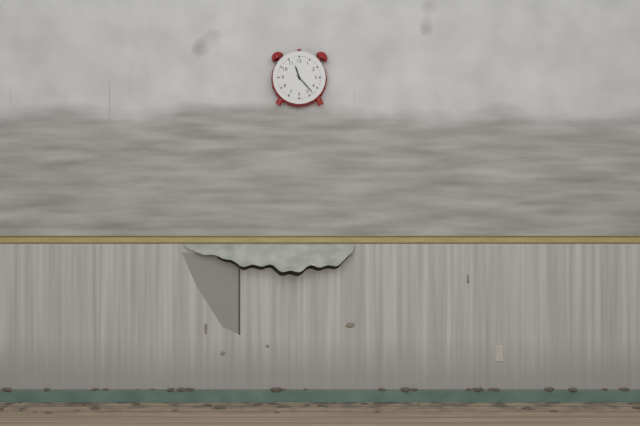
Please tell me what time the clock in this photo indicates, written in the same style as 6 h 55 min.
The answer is 11 h 23 min
